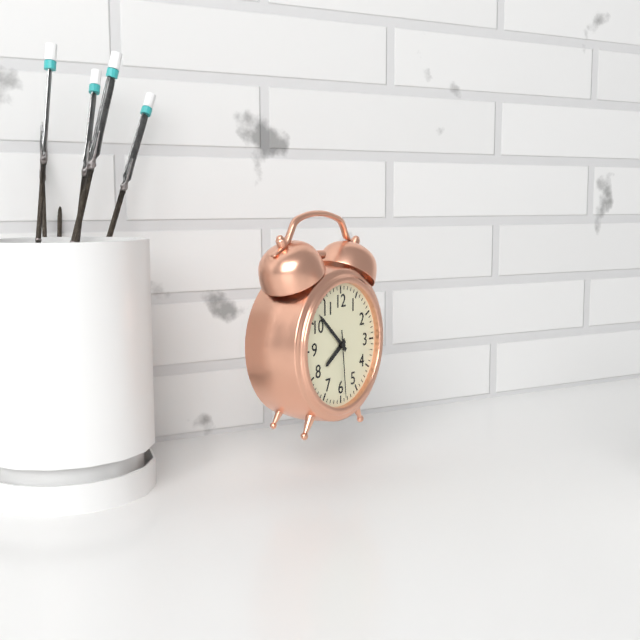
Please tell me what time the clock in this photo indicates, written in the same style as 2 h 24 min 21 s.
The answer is 7 h 52 min 29 s
